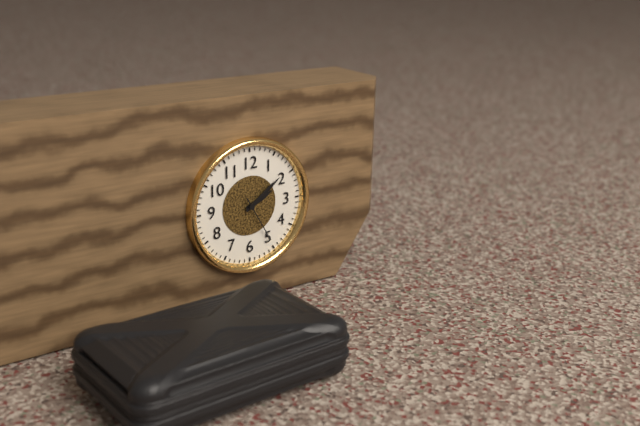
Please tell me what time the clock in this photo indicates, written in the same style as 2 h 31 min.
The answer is 2 h 09 min
